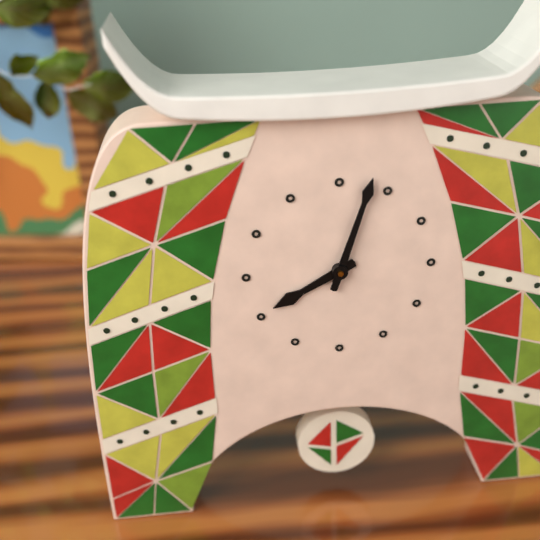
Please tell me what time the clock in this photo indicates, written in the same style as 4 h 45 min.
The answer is 8 h 03 min
